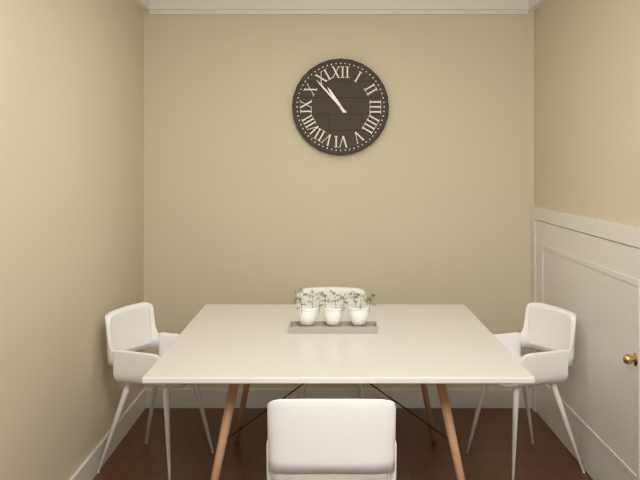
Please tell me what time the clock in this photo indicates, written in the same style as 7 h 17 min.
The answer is 10 h 53 min
